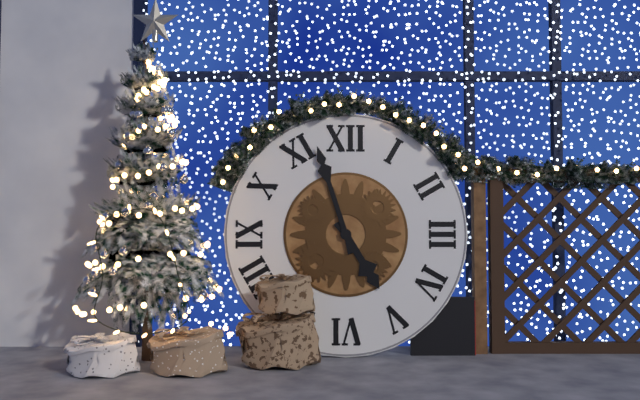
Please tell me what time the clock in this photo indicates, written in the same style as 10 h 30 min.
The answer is 4 h 57 min
